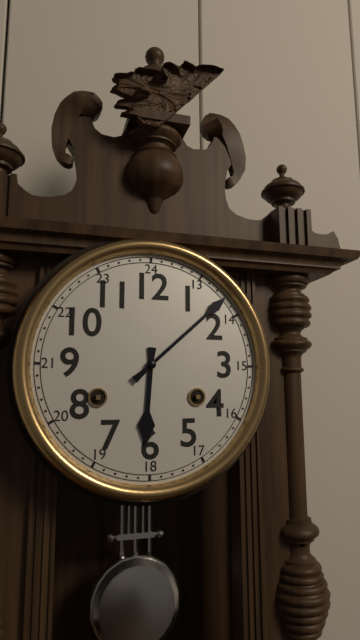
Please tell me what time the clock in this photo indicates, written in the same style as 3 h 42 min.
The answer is 6 h 08 min
